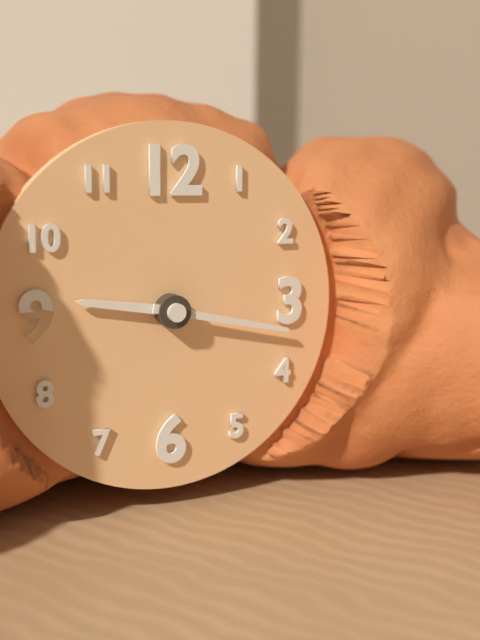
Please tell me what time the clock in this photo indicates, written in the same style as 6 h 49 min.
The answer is 9 h 17 min
